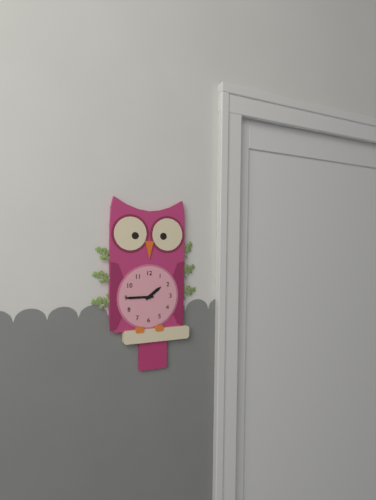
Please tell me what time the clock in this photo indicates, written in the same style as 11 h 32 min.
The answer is 1 h 45 min
